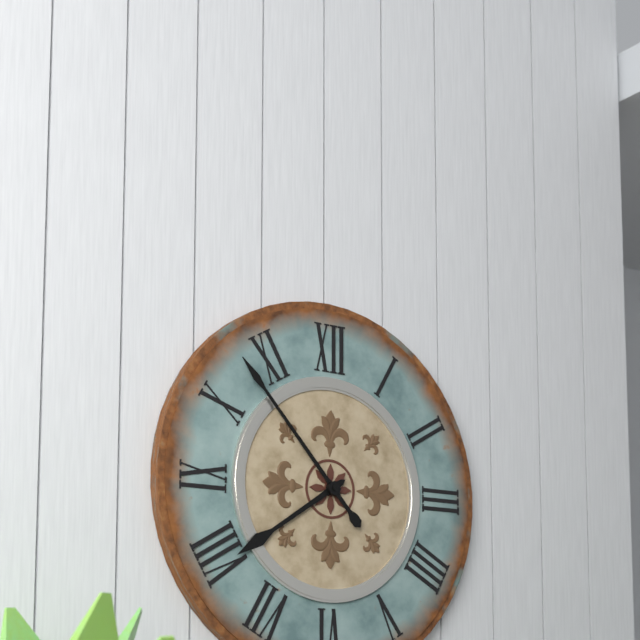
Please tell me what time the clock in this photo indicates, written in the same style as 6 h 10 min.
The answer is 7 h 53 min
